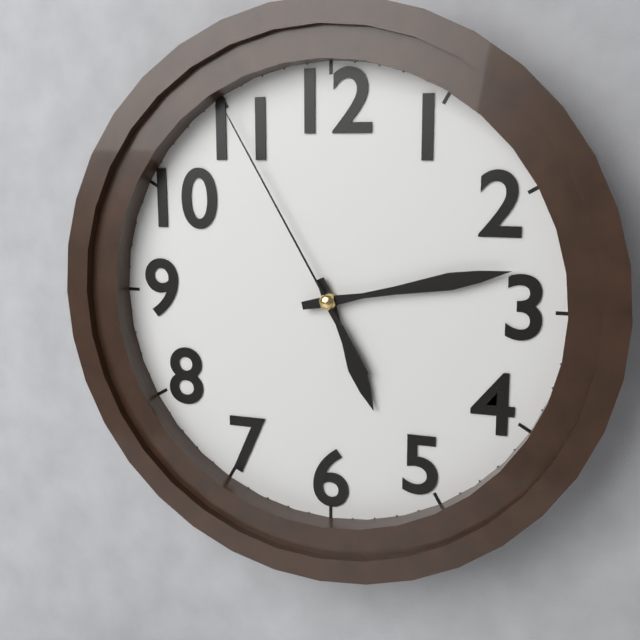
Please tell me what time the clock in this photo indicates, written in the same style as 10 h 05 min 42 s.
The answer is 5 h 13 min 55 s
